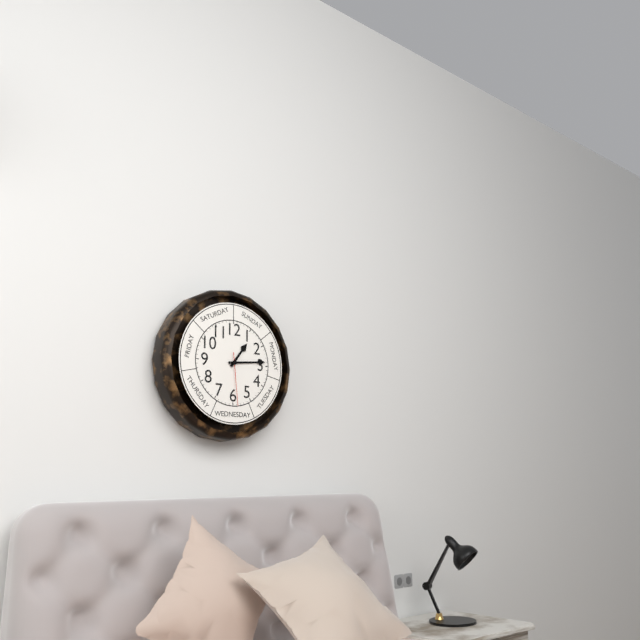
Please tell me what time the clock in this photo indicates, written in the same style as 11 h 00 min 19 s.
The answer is 1 h 14 min 29 s
